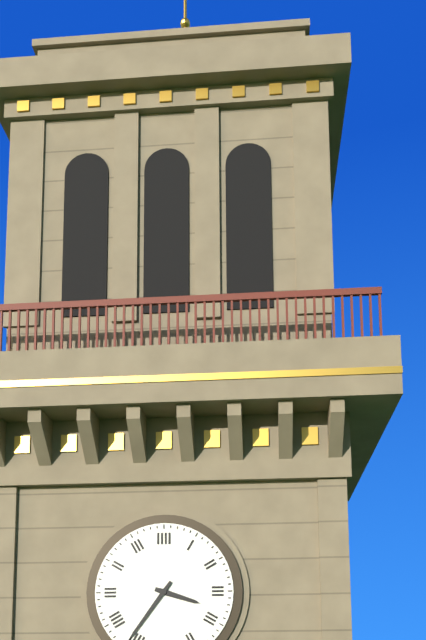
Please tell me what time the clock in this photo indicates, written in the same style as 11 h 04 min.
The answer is 3 h 36 min
